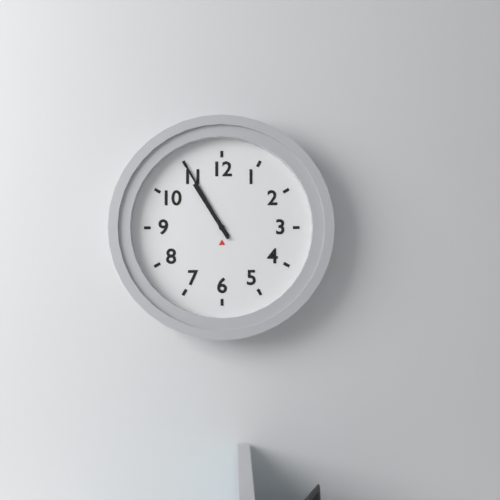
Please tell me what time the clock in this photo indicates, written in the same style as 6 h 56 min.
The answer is 10 h 55 min
